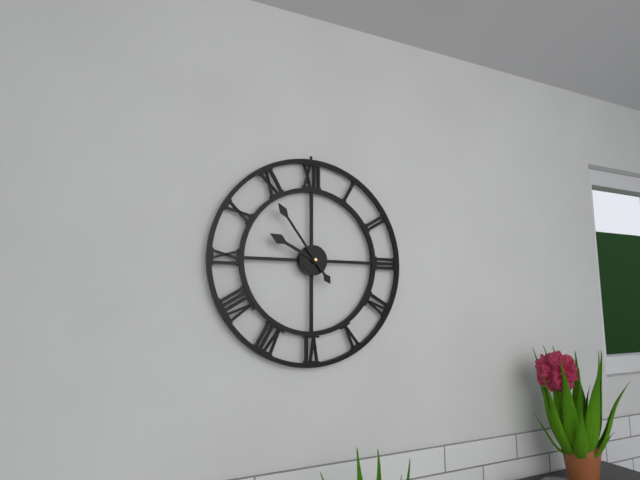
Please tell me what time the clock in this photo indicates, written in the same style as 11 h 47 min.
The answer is 9 h 54 min
